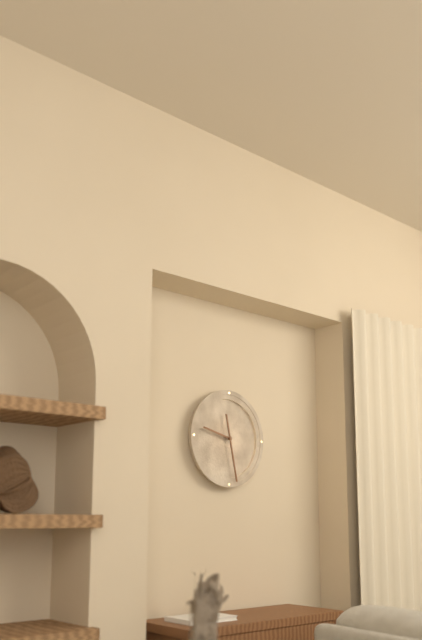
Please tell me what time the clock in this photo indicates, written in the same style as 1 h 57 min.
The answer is 9 h 28 min
